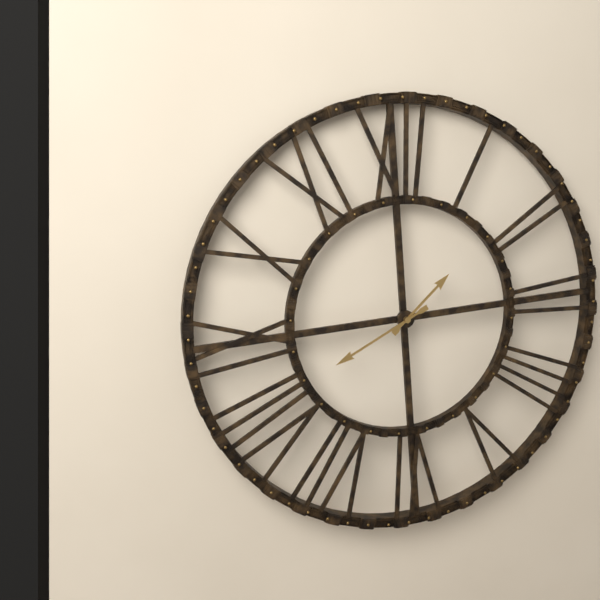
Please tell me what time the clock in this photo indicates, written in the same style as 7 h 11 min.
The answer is 1 h 41 min
